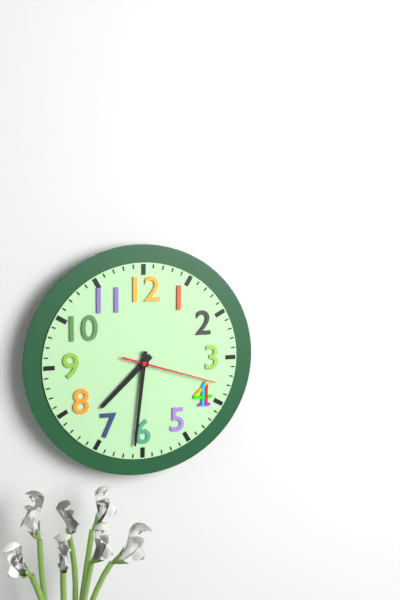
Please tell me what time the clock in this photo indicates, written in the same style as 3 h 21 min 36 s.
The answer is 7 h 31 min 18 s
